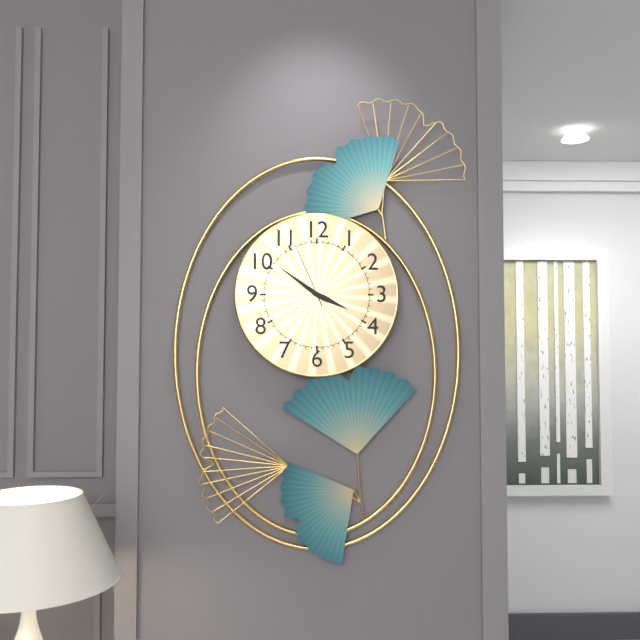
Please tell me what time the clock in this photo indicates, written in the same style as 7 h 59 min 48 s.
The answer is 3 h 51 min 56 s
